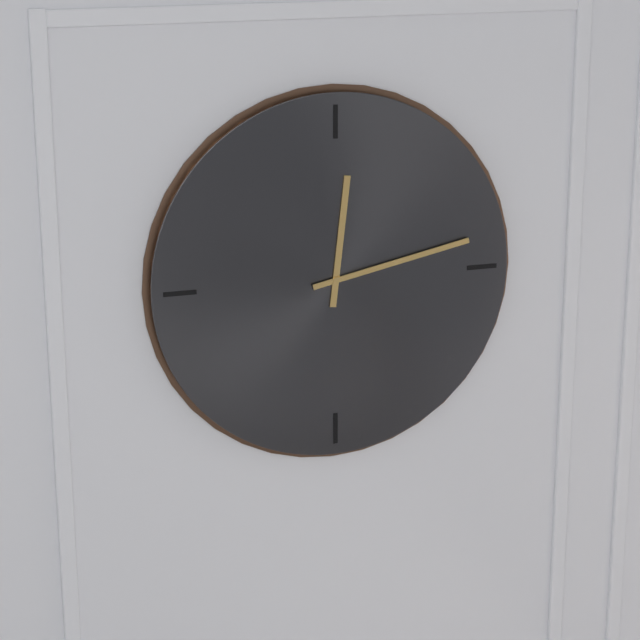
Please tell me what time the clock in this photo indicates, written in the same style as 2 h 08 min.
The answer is 12 h 13 min
